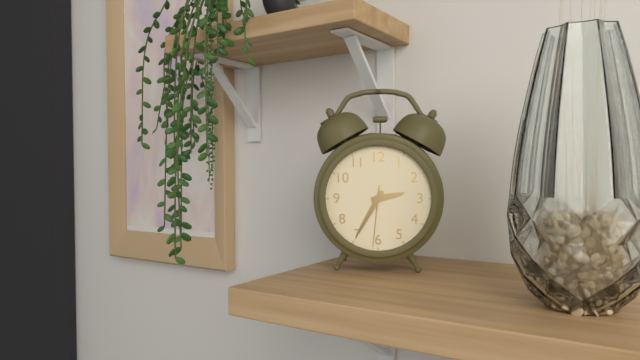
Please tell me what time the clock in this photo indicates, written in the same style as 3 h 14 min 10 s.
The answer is 2 h 35 min 31 s
